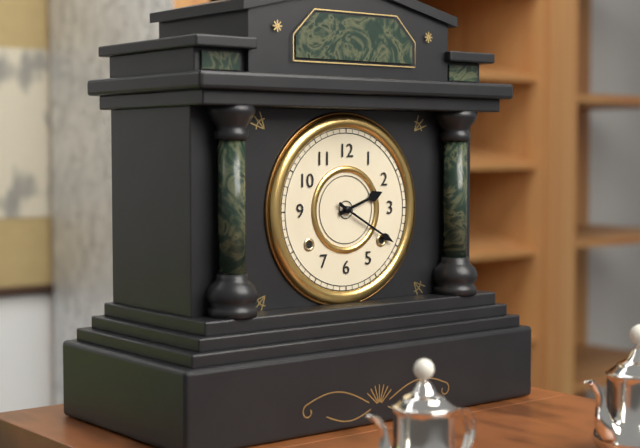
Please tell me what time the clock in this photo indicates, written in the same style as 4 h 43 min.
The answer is 2 h 20 min
